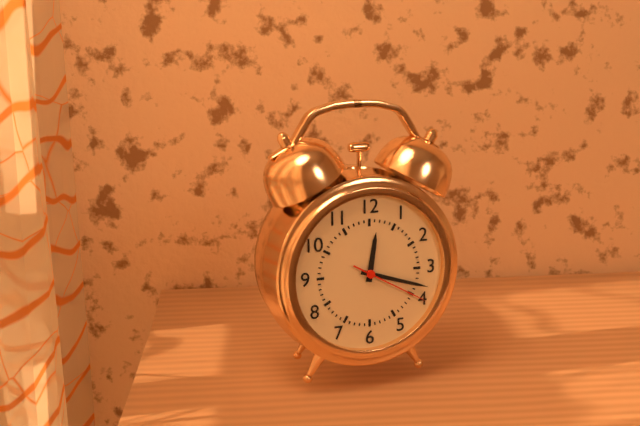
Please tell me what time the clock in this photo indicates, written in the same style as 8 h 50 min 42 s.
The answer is 12 h 18 min 20 s
